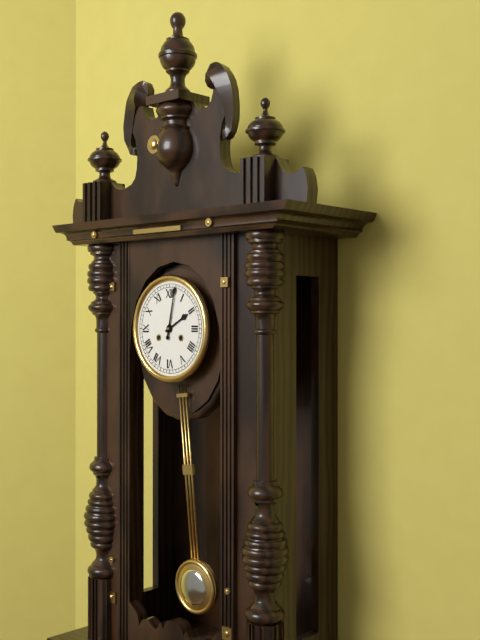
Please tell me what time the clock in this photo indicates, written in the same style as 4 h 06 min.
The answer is 2 h 02 min
